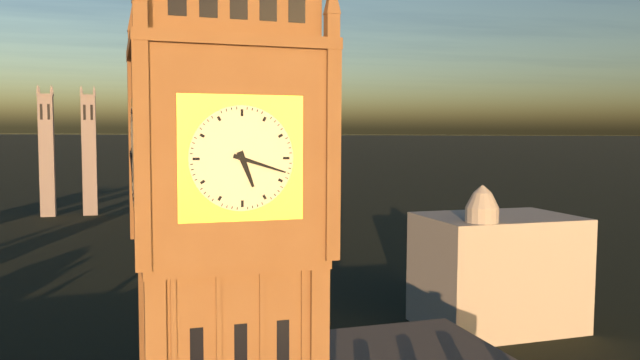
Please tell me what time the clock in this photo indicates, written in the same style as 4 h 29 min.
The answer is 5 h 18 min
